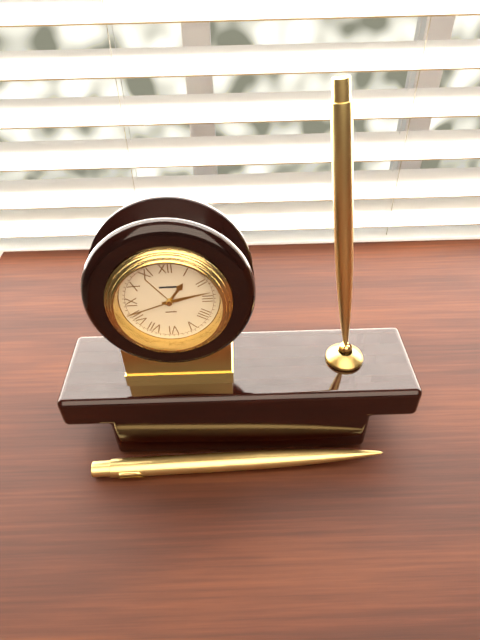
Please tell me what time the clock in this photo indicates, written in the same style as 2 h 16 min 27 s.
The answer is 1 h 13 min 42 s
